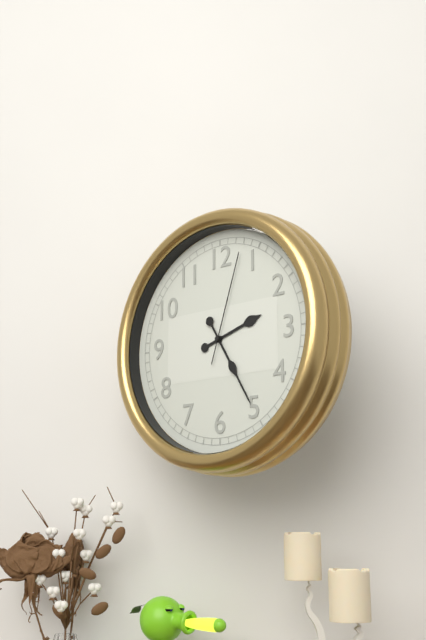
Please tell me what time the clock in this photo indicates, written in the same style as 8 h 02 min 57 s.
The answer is 2 h 25 min 03 s
